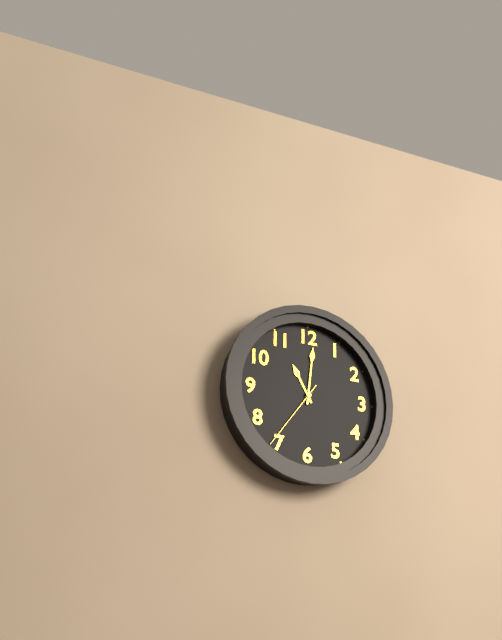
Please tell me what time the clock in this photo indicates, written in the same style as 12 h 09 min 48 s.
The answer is 11 h 01 min 36 s
